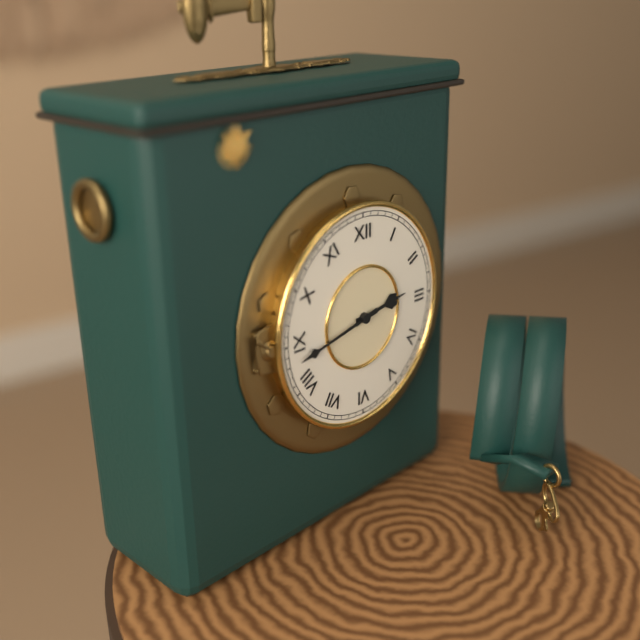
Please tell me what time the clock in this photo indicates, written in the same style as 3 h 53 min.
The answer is 2 h 43 min
